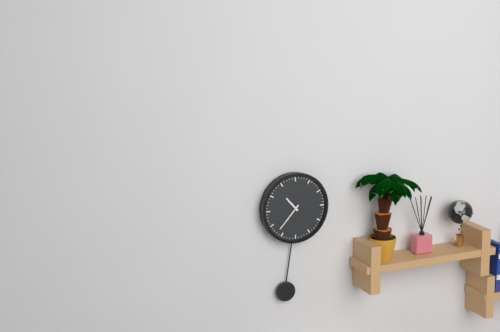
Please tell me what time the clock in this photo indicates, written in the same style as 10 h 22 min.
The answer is 10 h 37 min
